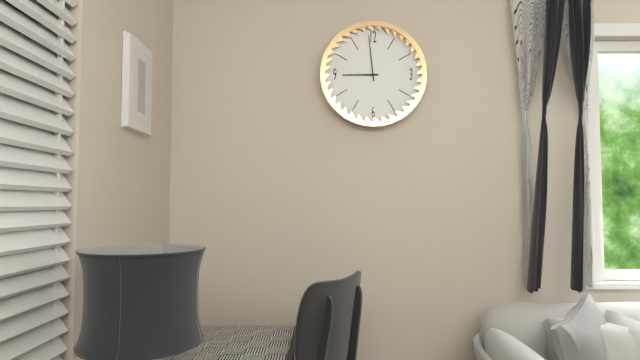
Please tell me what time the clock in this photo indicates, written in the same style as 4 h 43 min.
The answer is 8 h 59 min
